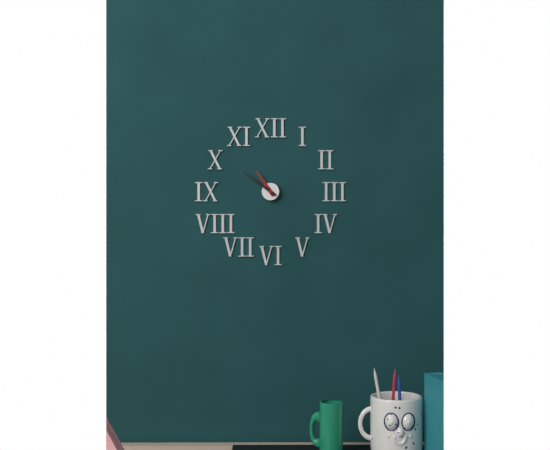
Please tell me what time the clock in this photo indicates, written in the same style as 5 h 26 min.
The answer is 10 h 51 min
